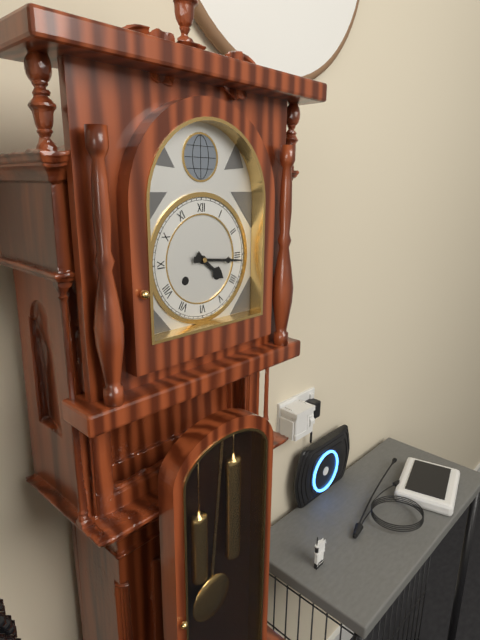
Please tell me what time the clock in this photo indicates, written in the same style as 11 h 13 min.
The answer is 4 h 16 min
